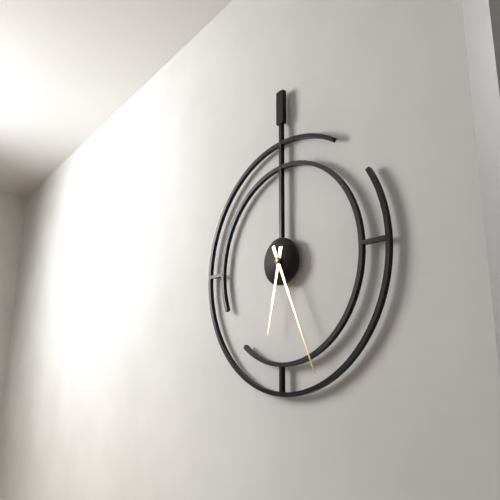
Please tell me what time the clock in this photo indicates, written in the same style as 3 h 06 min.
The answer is 6 h 26 min
